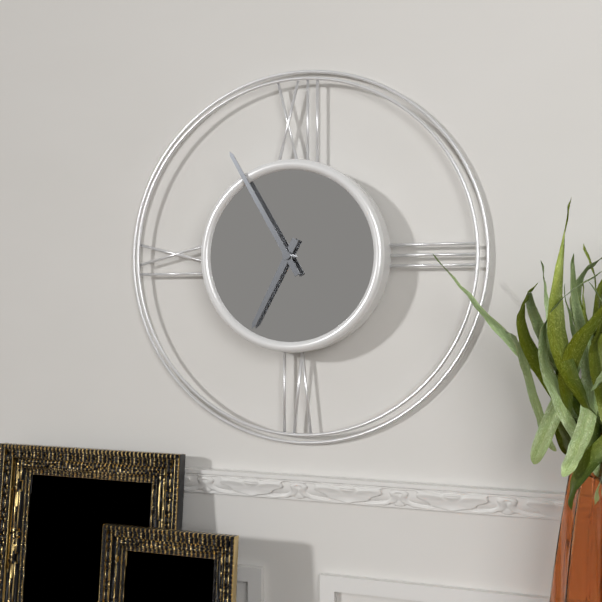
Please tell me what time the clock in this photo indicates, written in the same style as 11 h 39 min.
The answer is 6 h 55 min
